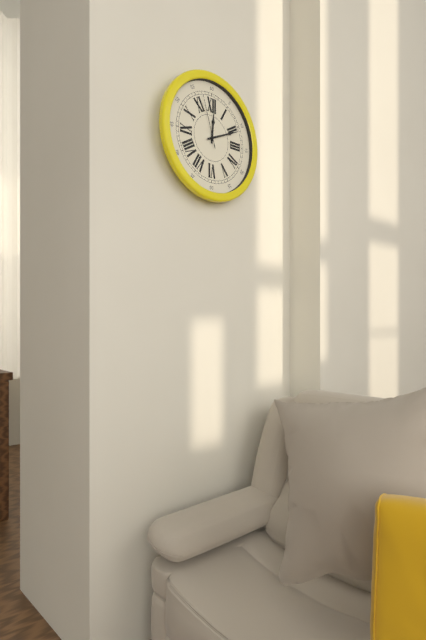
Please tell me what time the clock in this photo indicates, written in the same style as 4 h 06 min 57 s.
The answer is 12 h 11 min 57 s
